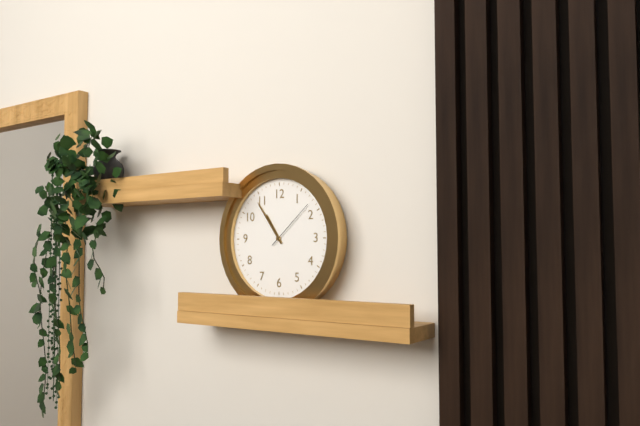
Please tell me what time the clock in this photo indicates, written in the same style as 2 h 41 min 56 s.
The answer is 10 h 54 min 08 s
